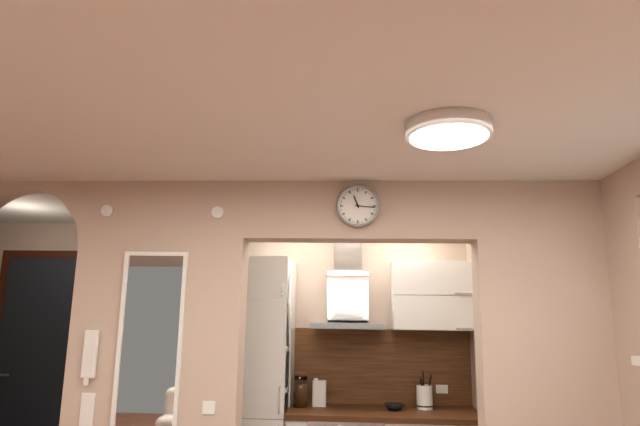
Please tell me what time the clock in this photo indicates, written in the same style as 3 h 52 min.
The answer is 11 h 16 min
